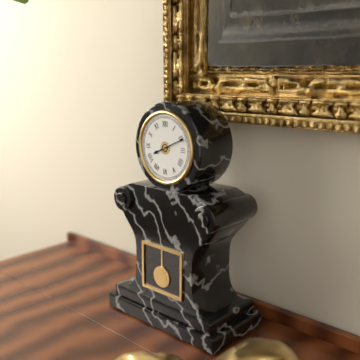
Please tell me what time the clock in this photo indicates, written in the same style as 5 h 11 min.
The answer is 8 h 11 min
